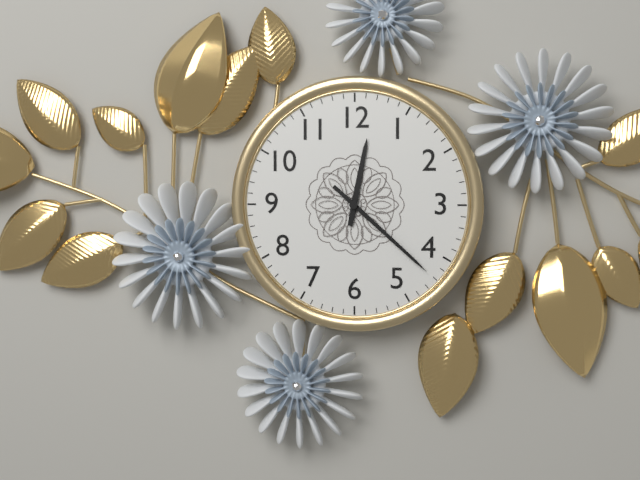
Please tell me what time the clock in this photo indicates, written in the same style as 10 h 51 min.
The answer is 12 h 22 min
